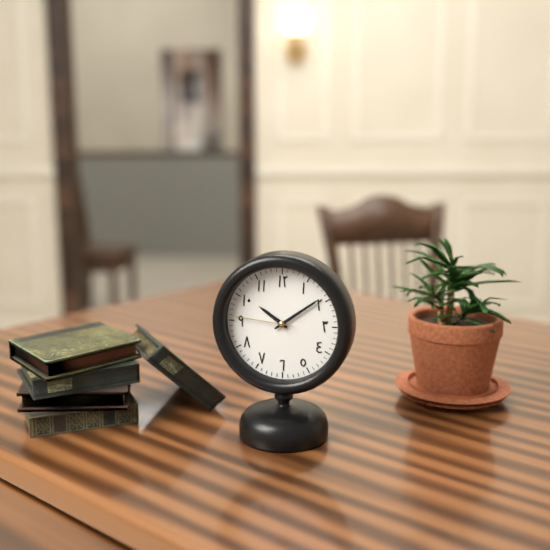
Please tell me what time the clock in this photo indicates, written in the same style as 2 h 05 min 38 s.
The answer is 10 h 09 min 46 s
